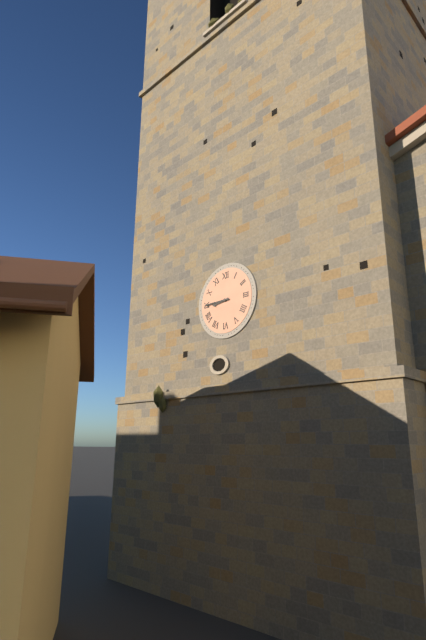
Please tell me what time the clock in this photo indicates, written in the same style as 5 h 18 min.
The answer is 8 h 45 min
